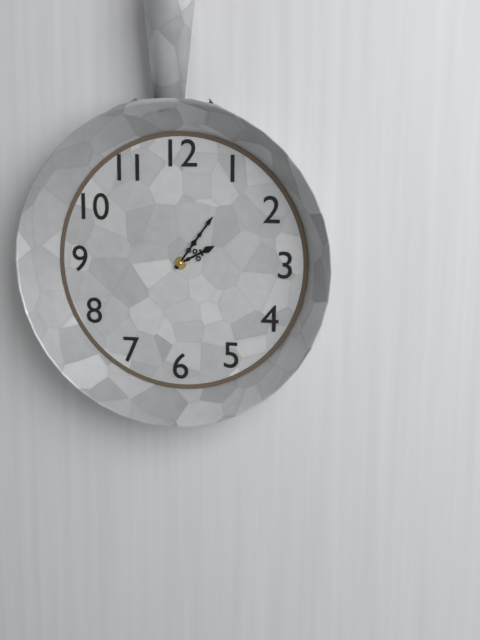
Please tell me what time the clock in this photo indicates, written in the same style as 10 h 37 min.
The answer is 2 h 06 min
